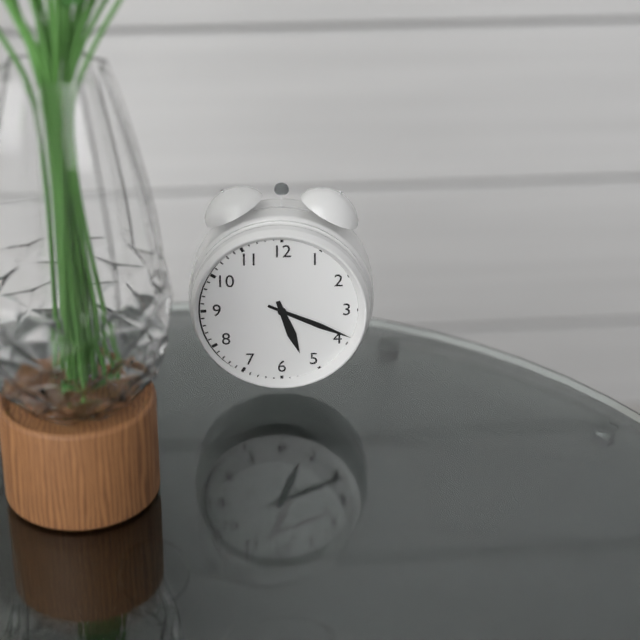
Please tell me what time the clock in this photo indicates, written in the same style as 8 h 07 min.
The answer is 5 h 19 min
